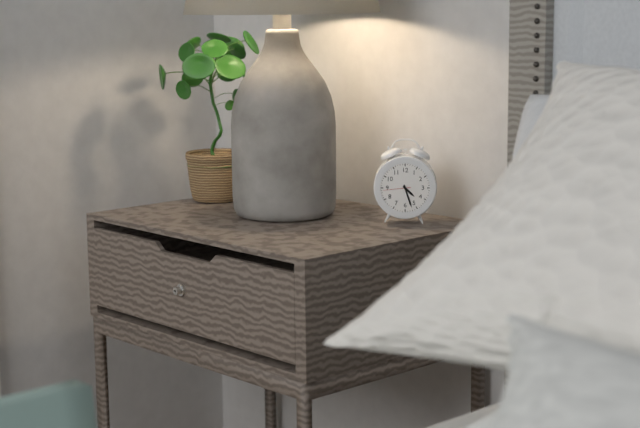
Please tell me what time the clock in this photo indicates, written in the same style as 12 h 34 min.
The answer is 4 h 27 min
